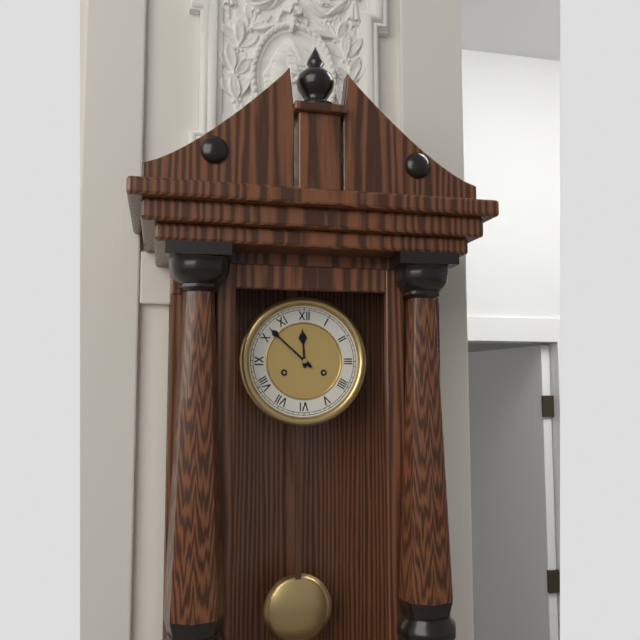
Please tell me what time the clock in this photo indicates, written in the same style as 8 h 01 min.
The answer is 11 h 52 min
